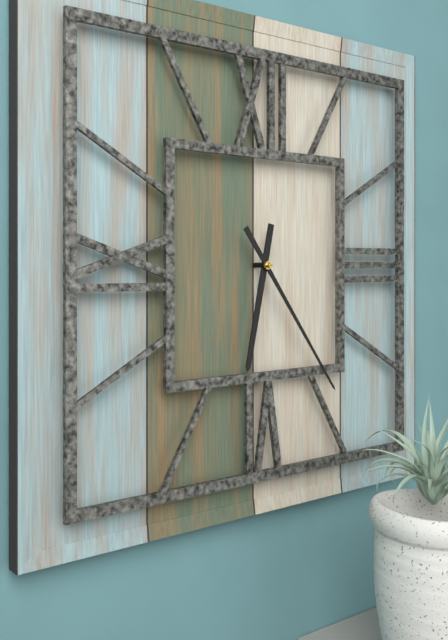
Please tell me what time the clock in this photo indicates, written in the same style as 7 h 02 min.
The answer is 6 h 24 min
